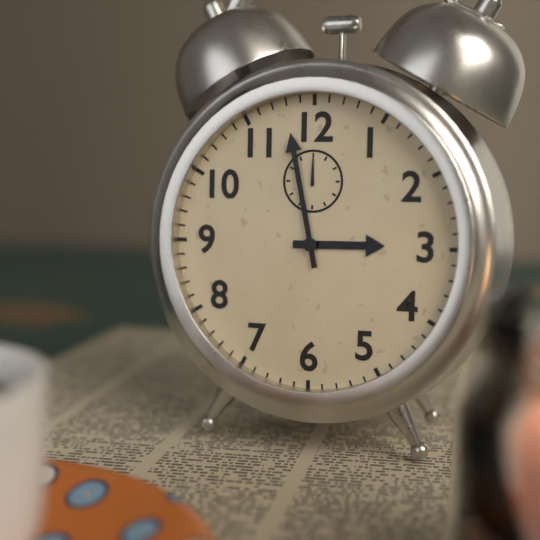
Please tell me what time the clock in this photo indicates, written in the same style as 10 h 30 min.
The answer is 2 h 58 min
